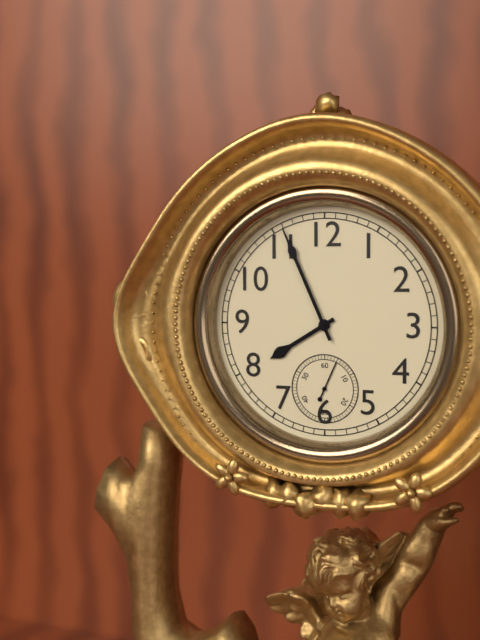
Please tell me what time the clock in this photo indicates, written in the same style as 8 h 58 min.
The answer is 7 h 56 min
